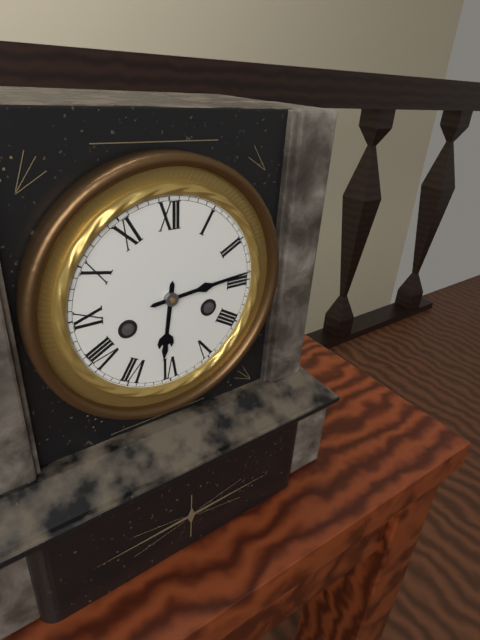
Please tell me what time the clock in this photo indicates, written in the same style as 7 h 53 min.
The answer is 6 h 14 min
